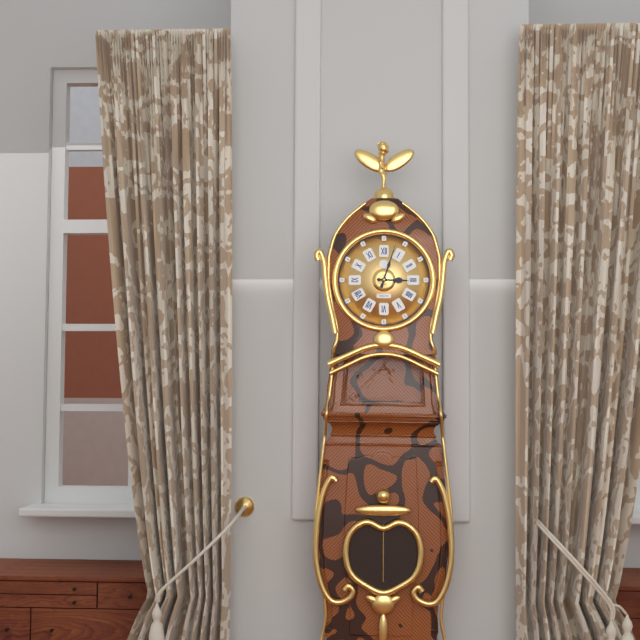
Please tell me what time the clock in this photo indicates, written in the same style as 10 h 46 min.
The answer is 3 h 03 min
